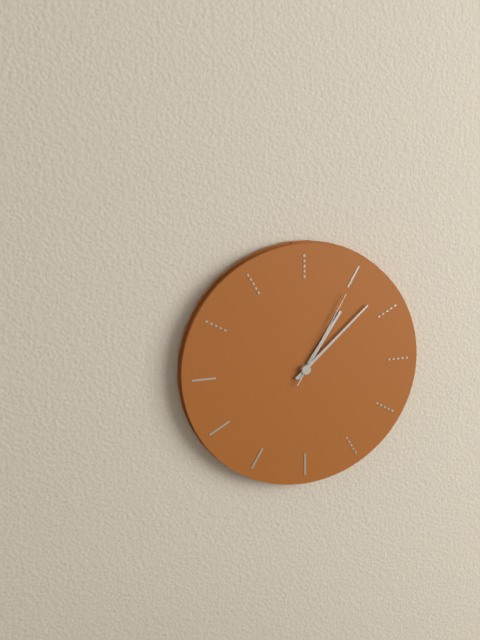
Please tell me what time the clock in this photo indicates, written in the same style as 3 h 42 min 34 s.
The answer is 1 h 08 min 05 s
